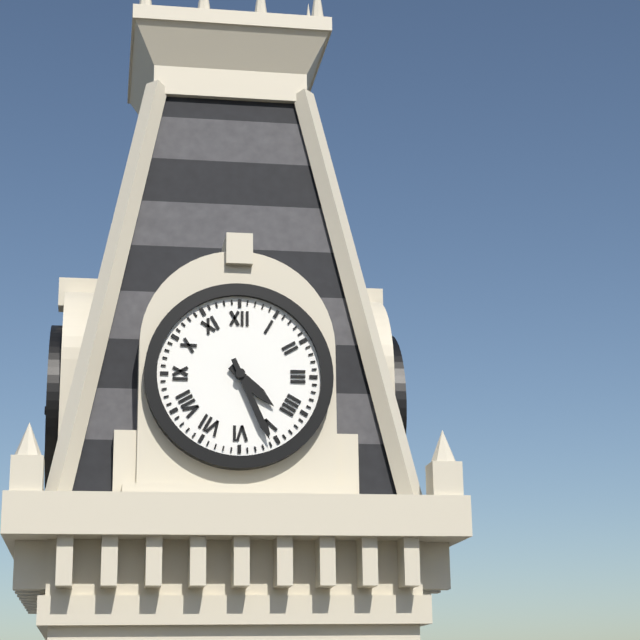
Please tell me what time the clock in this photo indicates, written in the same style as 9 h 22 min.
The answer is 4 h 26 min
